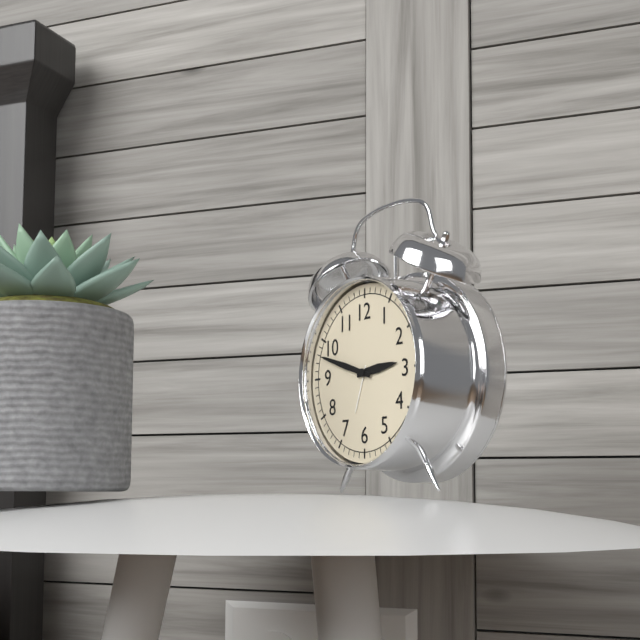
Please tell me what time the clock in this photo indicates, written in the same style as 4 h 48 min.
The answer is 2 h 48 min
